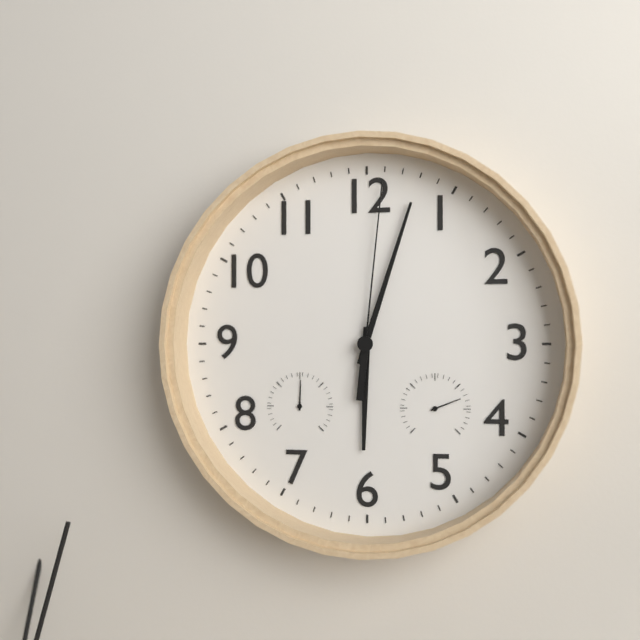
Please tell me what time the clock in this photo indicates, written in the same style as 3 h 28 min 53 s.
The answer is 6 h 03 min 01 s
